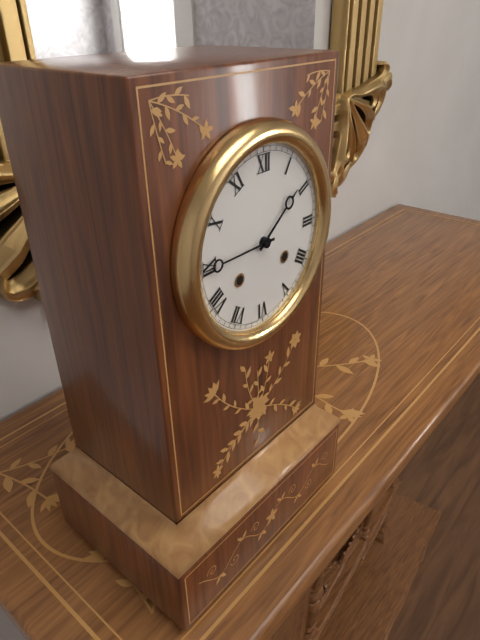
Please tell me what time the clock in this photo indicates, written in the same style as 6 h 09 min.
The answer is 1 h 45 min
